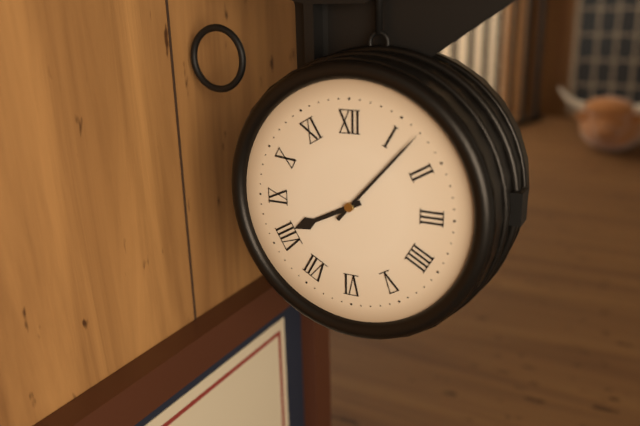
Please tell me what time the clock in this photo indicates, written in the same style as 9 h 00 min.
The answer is 8 h 07 min
